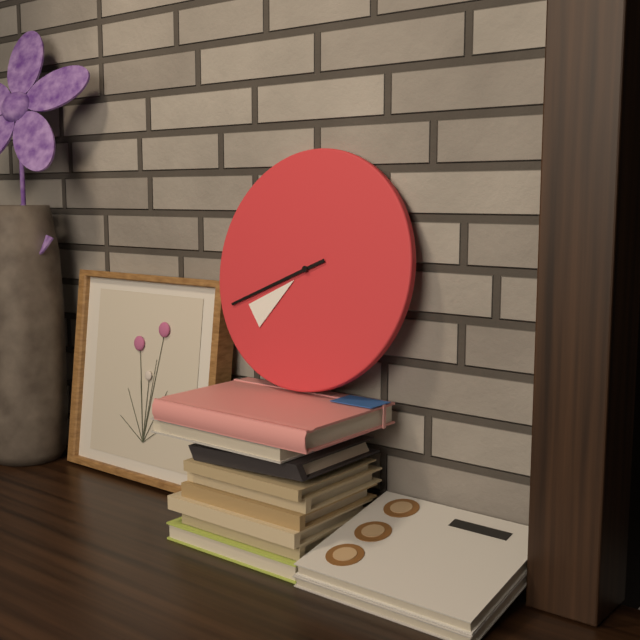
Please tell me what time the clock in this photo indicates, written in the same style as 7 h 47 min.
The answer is 7 h 41 min
